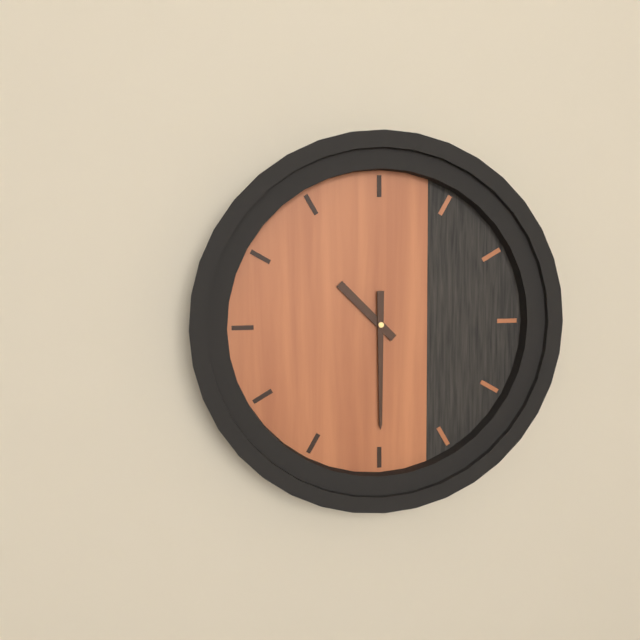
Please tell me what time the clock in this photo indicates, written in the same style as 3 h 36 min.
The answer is 10 h 30 min
